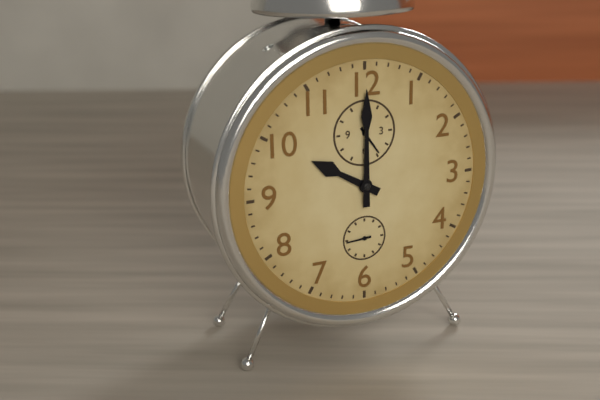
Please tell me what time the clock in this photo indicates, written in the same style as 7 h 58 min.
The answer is 10 h 00 min
